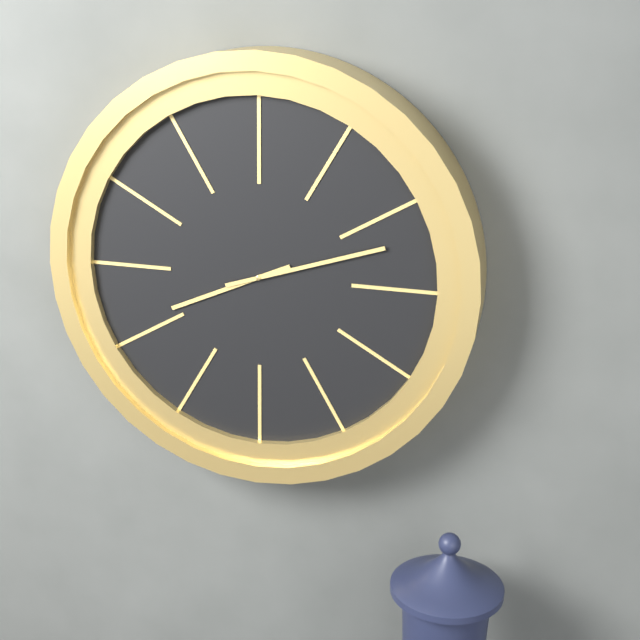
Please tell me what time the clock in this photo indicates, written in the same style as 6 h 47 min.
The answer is 8 h 12 min
